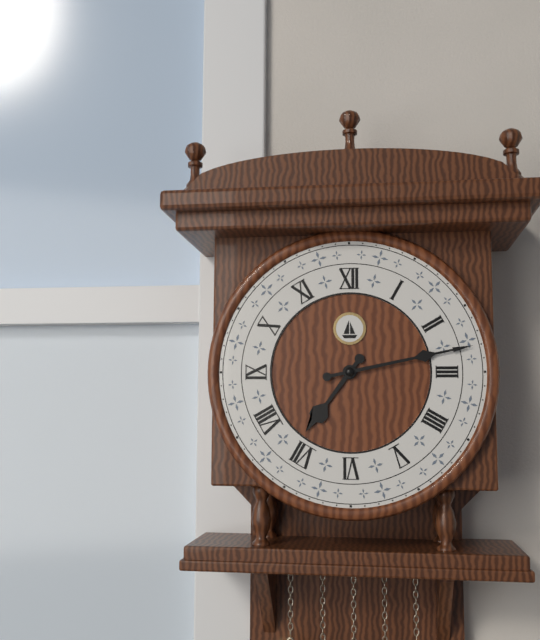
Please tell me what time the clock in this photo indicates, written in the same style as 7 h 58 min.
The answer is 7 h 13 min
